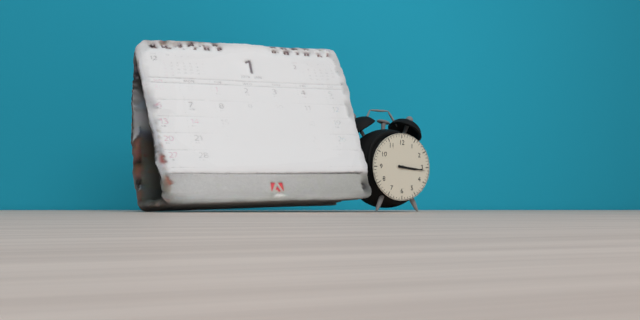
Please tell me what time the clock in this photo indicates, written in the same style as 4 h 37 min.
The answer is 3 h 16 min
